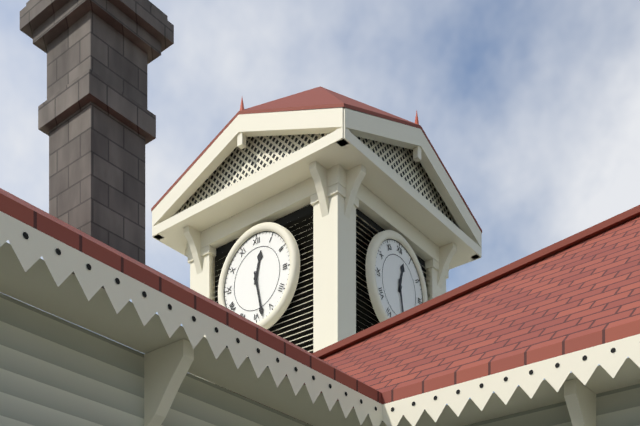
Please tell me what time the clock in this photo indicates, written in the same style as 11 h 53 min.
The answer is 12 h 28 min
